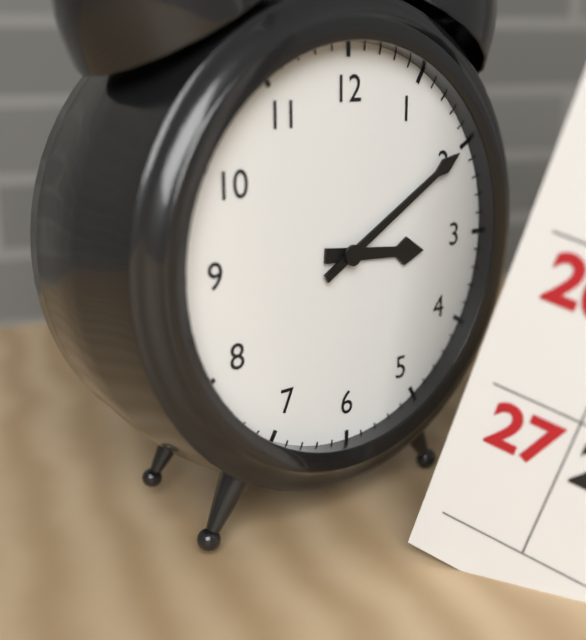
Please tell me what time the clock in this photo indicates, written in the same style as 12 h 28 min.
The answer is 3 h 10 min
